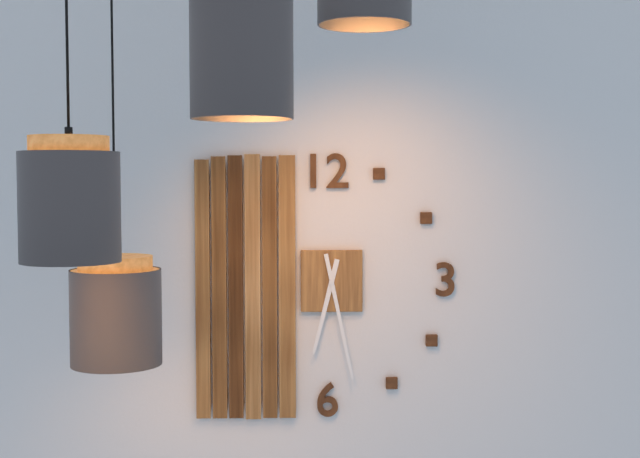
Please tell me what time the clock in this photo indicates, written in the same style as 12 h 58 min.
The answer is 6 h 28 min
